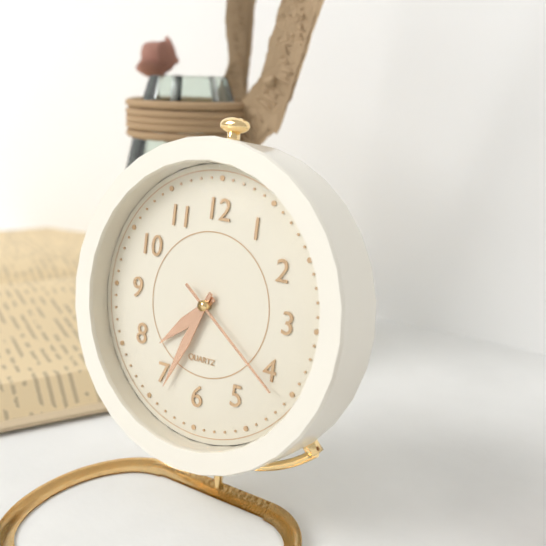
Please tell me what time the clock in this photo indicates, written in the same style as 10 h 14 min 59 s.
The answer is 7 h 34 min 21 s
